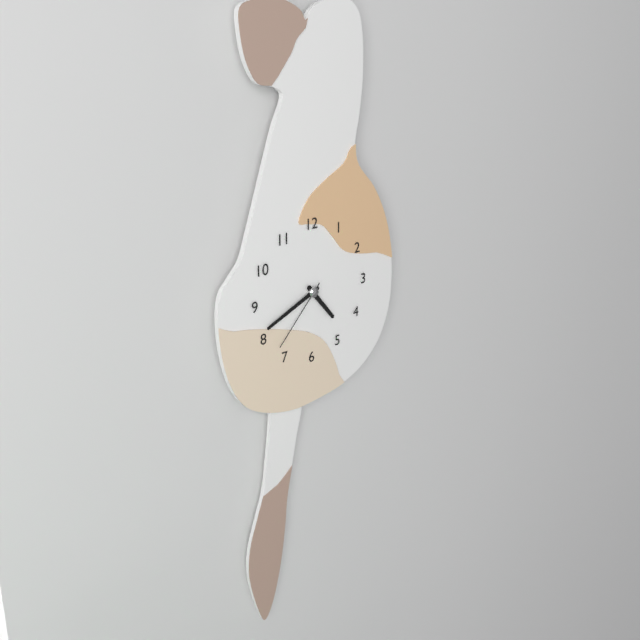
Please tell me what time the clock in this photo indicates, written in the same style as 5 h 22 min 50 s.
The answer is 4 h 41 min 37 s
